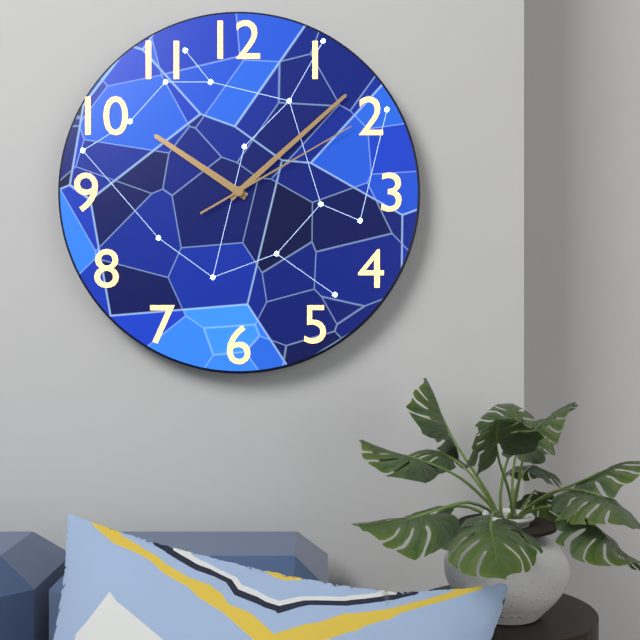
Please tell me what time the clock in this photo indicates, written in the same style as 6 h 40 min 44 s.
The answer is 10 h 08 min 10 s
